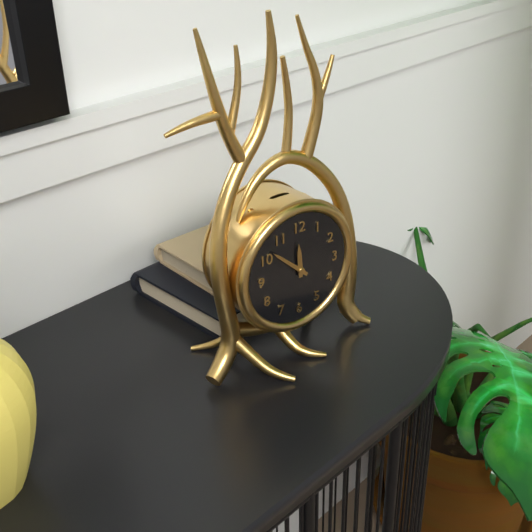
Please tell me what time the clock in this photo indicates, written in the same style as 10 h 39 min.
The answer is 11 h 52 min
